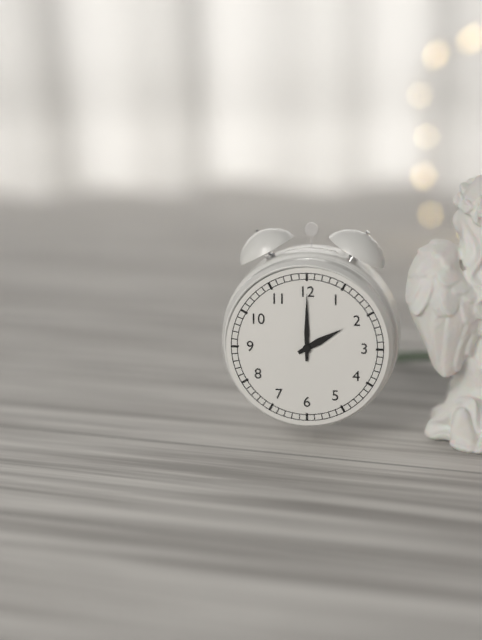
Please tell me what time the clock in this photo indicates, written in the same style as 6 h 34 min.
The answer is 2 h 00 min
